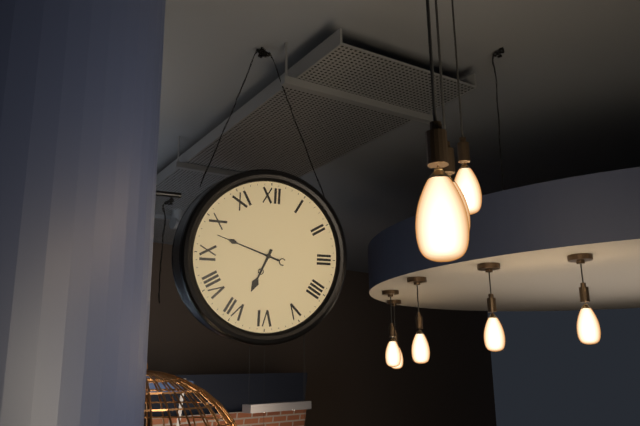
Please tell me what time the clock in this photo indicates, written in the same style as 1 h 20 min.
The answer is 6 h 48 min
